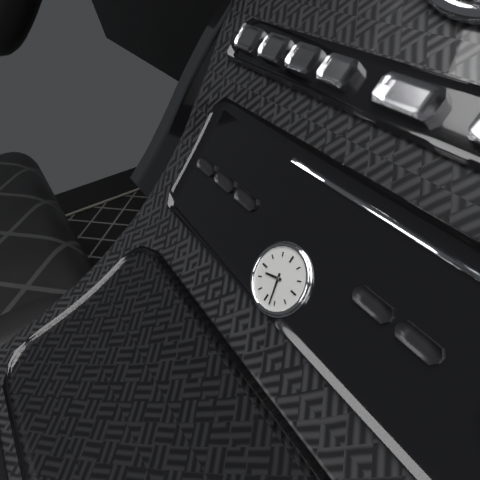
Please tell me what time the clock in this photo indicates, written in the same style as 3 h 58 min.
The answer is 8 h 27 min
